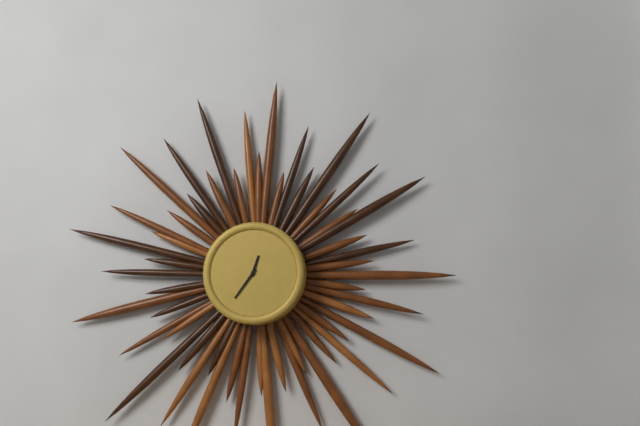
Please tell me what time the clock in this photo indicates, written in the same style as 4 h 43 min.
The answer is 12 h 36 min
